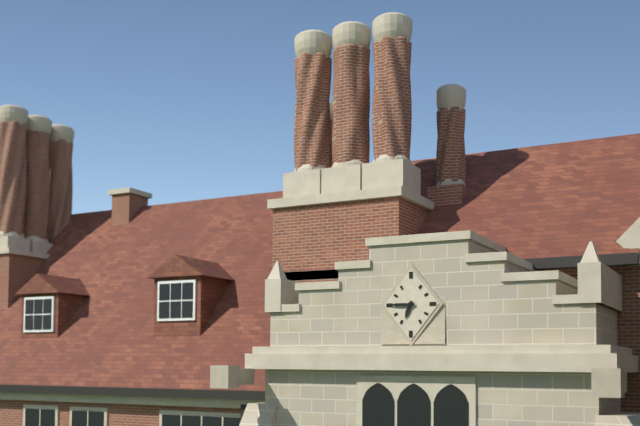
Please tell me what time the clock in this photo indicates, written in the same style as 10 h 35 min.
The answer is 6 h 45 min
